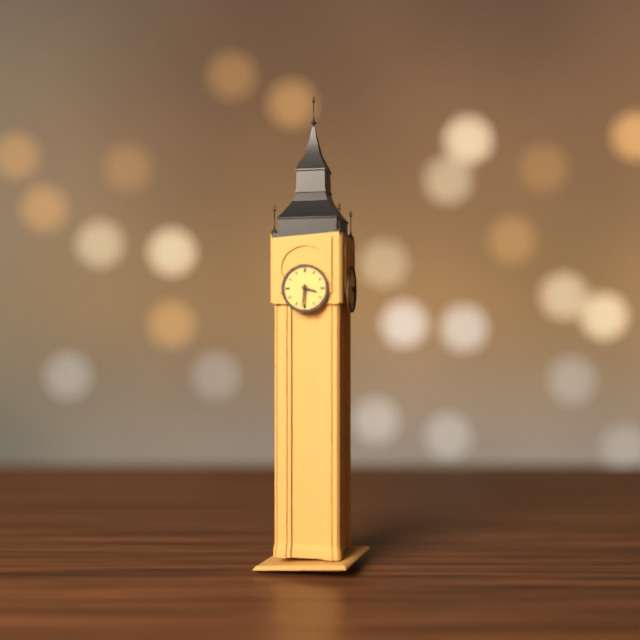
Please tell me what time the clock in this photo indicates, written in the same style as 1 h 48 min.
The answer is 3 h 31 min
